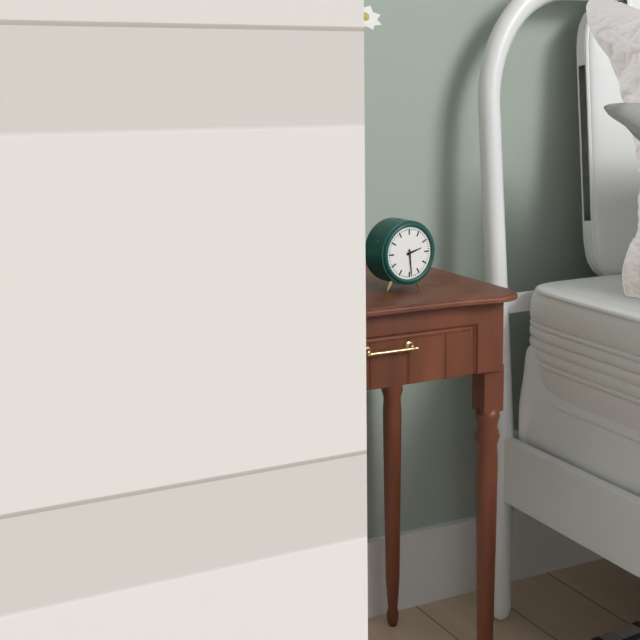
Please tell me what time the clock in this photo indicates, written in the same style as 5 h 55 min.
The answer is 2 h 29 min
